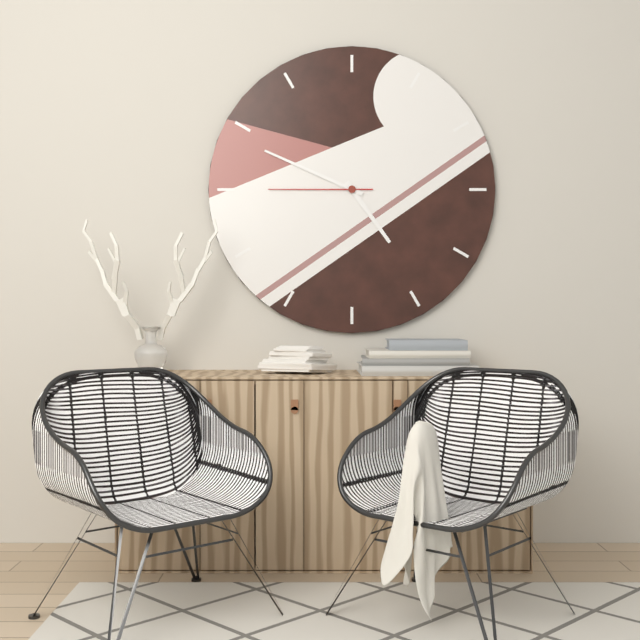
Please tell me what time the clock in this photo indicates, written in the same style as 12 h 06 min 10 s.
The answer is 4 h 49 min 45 s
